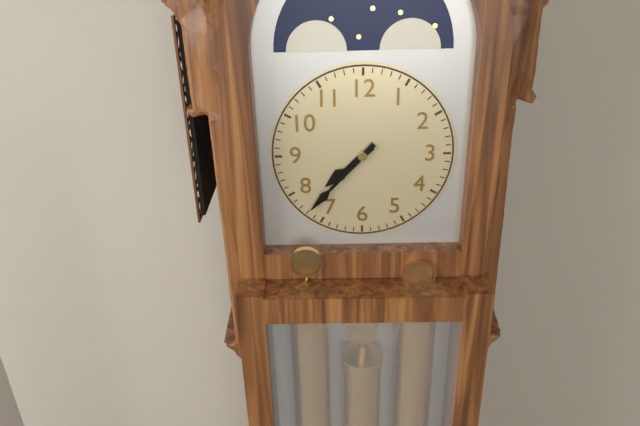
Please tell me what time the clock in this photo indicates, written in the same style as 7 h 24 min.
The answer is 7 h 37 min
